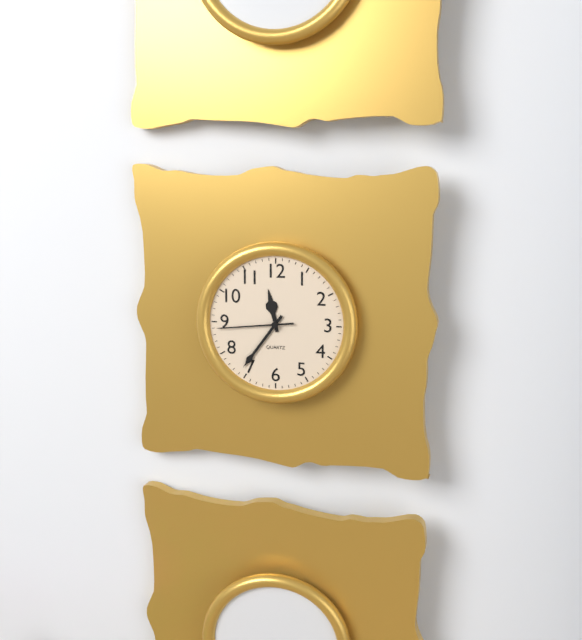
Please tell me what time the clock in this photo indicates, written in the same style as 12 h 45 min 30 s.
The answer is 11 h 36 min 44 s
